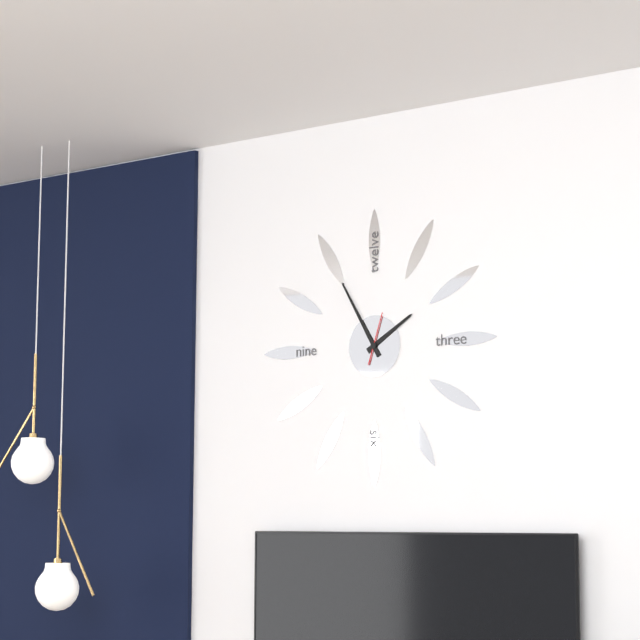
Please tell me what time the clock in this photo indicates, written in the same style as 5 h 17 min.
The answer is 1 h 55 min
